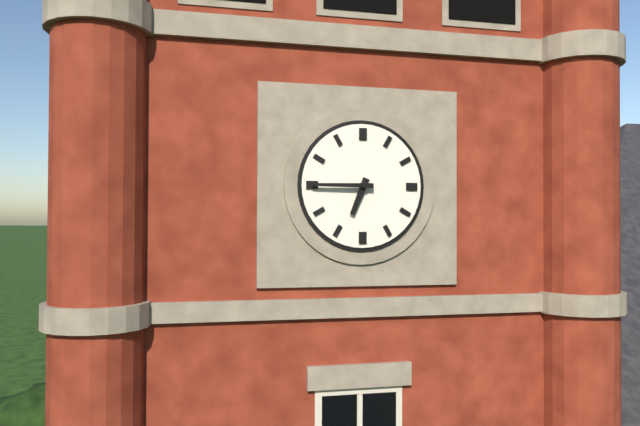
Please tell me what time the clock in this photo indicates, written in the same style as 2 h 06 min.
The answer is 6 h 45 min
